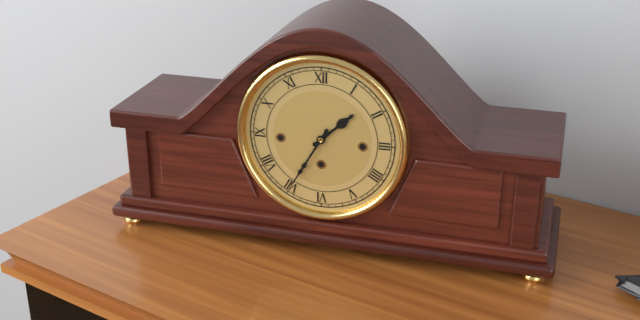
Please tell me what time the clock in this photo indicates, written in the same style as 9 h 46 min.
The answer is 1 h 35 min
